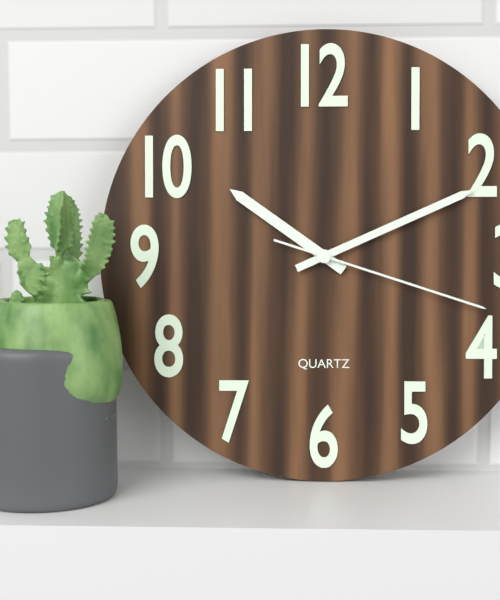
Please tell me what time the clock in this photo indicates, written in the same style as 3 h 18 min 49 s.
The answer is 10 h 11 min 18 s
